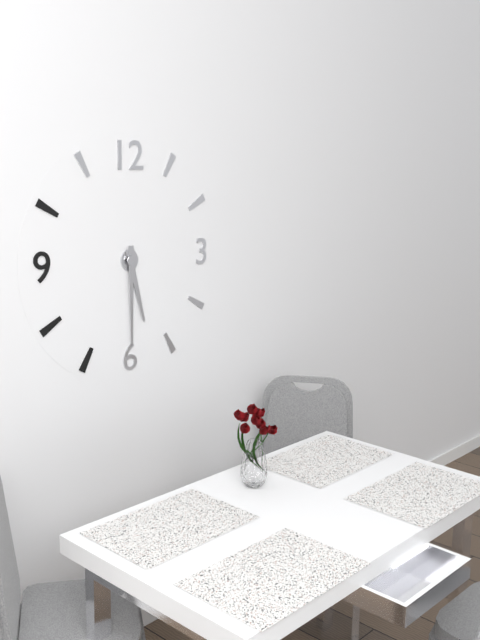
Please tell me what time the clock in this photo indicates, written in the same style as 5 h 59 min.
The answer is 5 h 30 min
